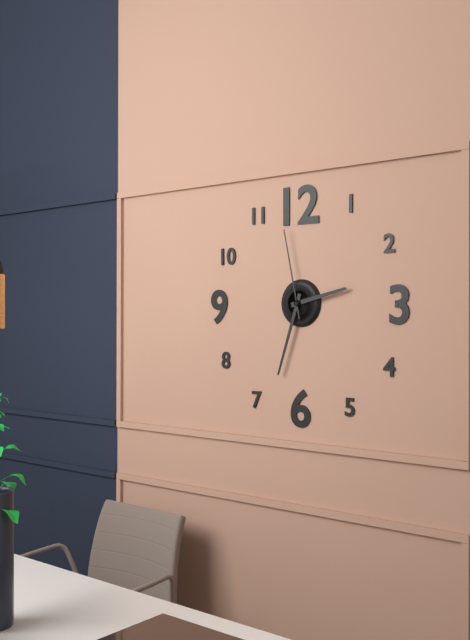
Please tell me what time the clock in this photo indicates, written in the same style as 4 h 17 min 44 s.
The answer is 2 h 33 min 58 s
